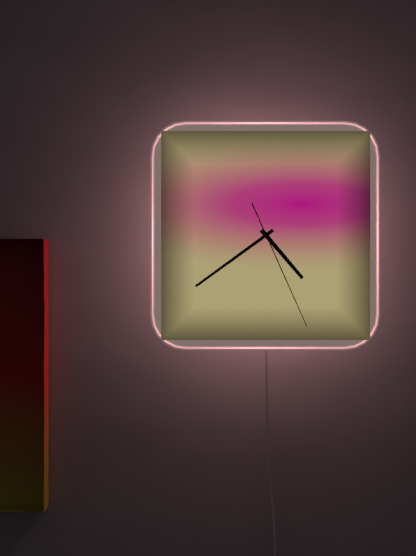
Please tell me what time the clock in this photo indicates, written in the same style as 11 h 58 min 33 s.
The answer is 4 h 39 min 26 s
